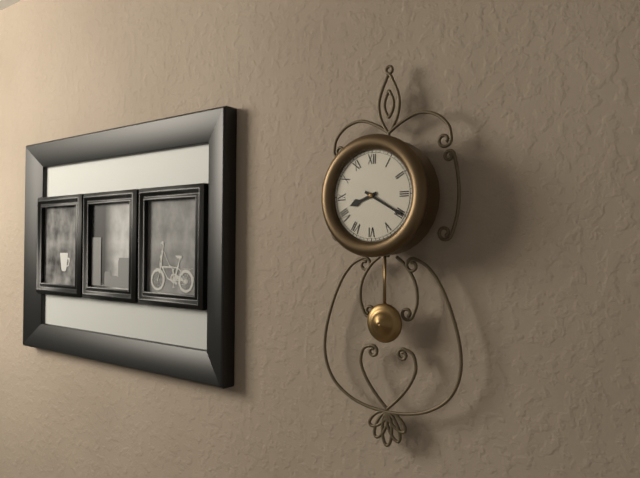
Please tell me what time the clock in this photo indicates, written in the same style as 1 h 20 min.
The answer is 8 h 20 min
